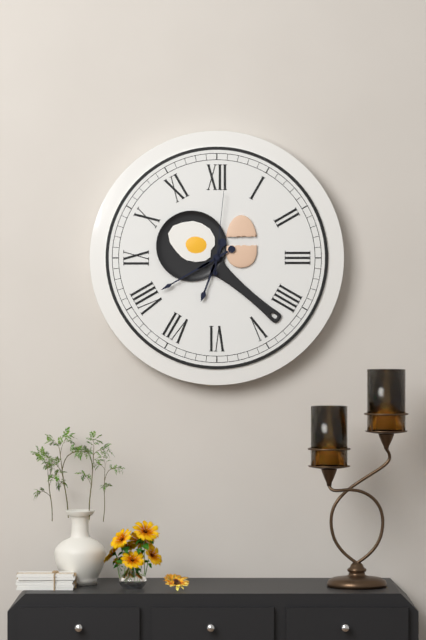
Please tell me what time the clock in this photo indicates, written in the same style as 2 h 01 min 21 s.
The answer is 6 h 40 min 01 s
